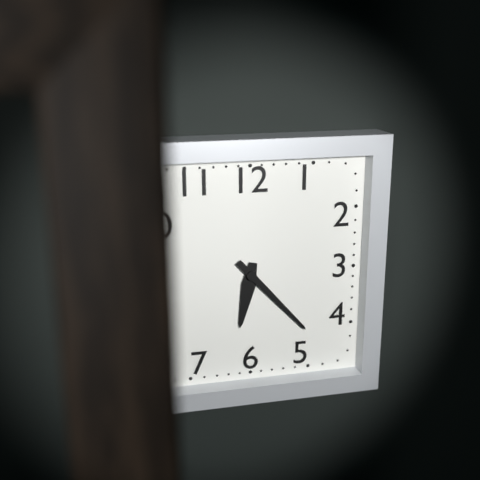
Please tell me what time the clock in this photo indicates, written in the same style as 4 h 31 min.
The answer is 6 h 23 min
